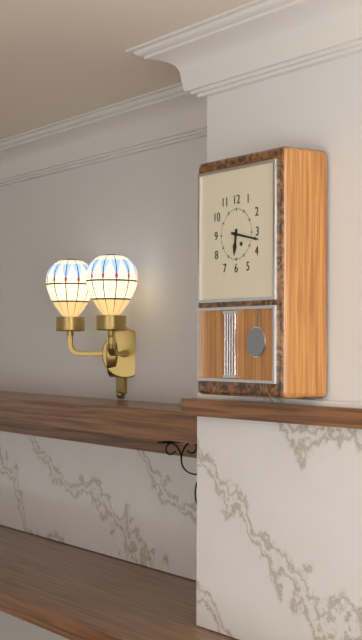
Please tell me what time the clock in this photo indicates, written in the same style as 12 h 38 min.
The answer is 6 h 17 min
